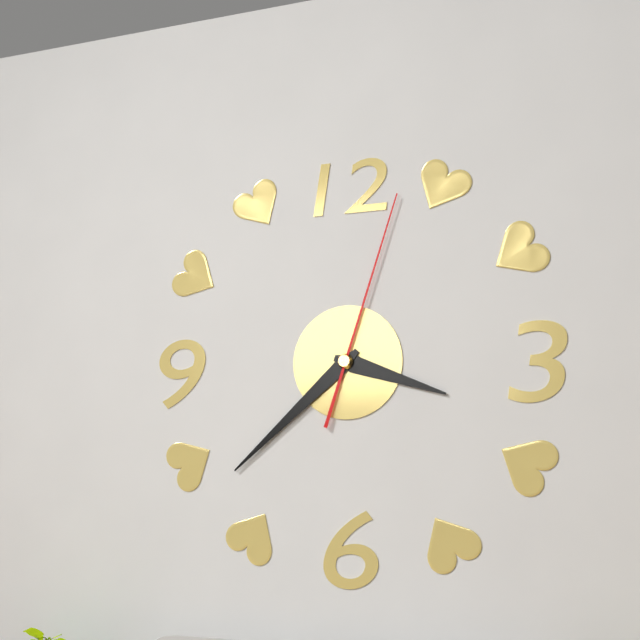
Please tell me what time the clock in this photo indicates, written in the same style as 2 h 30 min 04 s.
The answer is 3 h 38 min 03 s
